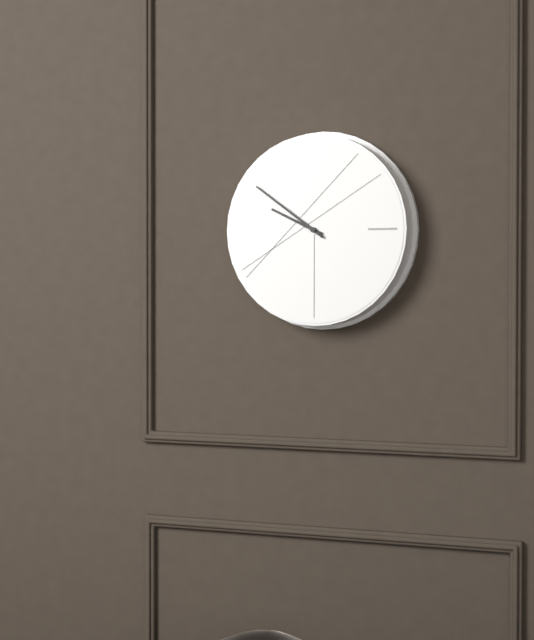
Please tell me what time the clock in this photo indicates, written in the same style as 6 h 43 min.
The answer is 9 h 51 min
